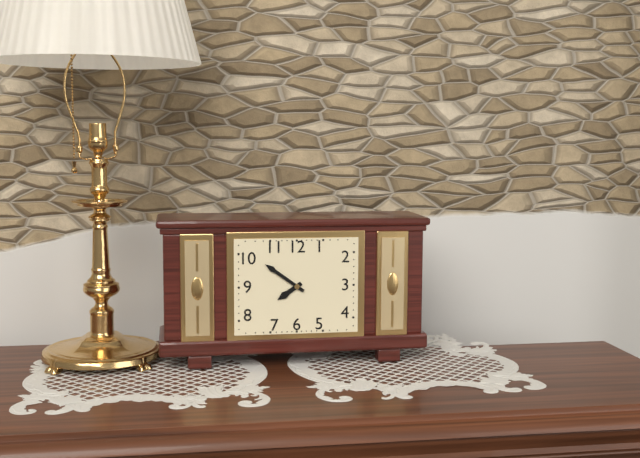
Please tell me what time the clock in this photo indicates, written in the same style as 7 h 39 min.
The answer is 7 h 51 min
